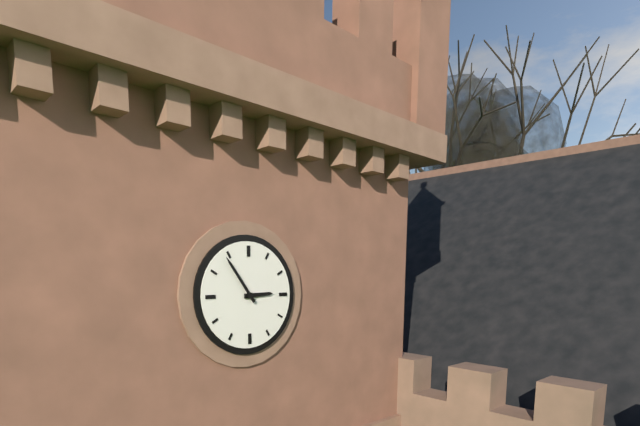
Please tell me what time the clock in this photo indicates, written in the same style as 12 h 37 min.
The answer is 2 h 54 min
